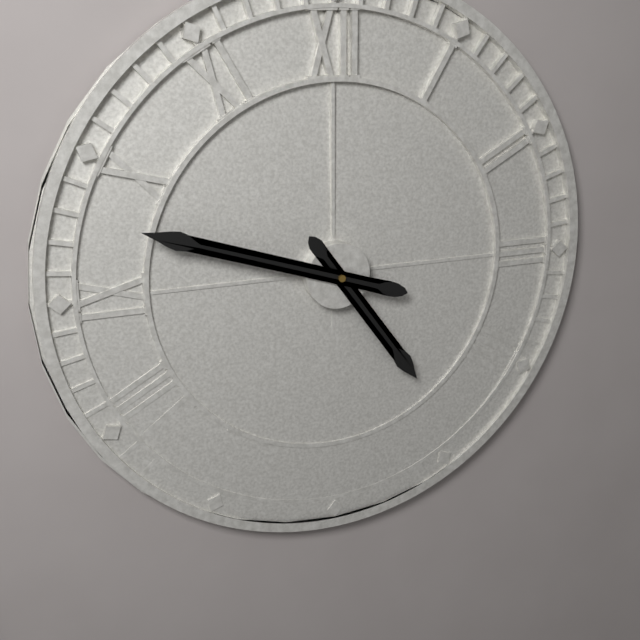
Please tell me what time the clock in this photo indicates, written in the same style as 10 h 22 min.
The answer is 4 h 48 min
